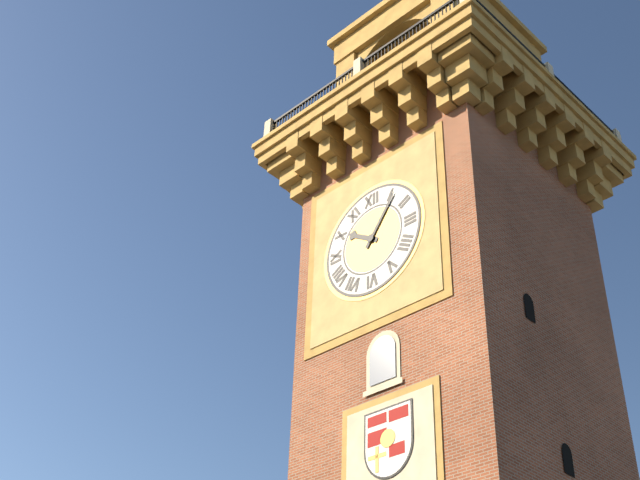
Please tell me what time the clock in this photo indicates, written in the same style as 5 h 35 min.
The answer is 10 h 06 min
